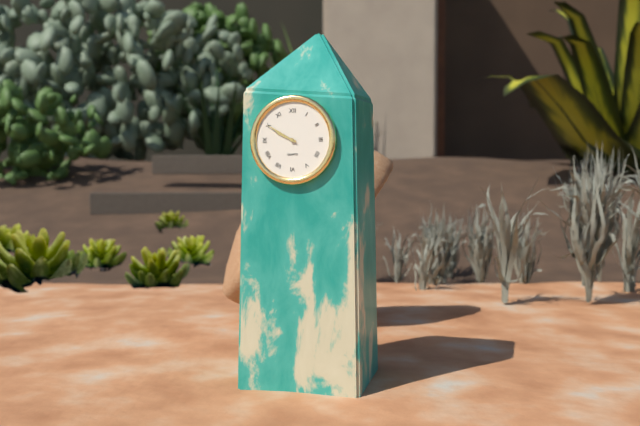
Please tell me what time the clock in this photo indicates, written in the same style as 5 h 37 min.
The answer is 9 h 50 min
